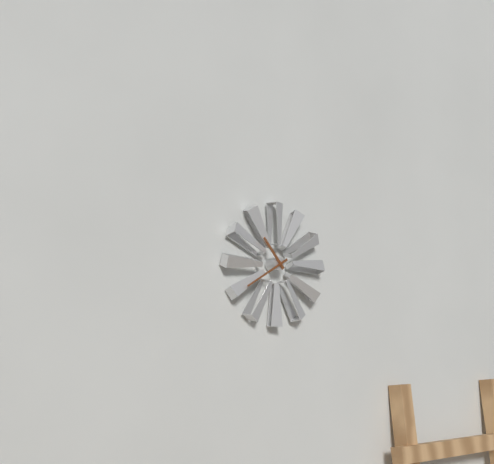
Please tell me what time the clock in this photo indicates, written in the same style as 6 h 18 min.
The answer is 10 h 40 min
